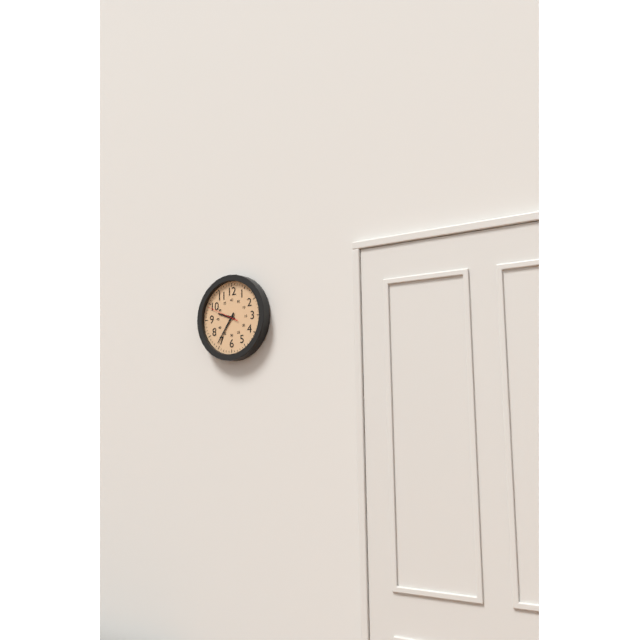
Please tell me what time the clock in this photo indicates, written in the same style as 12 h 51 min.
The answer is 9 h 36 min
